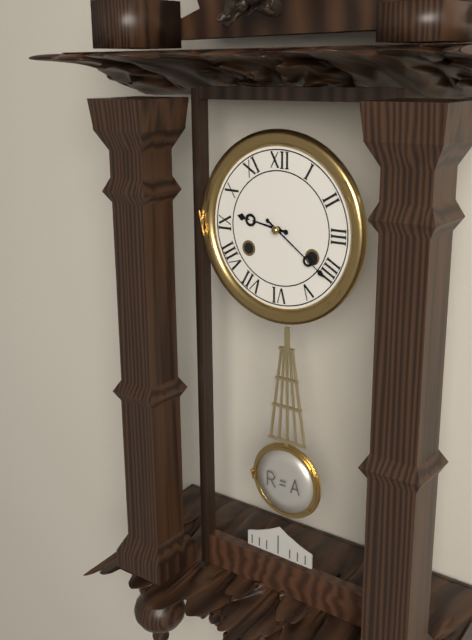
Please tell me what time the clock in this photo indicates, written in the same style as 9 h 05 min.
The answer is 9 h 21 min
